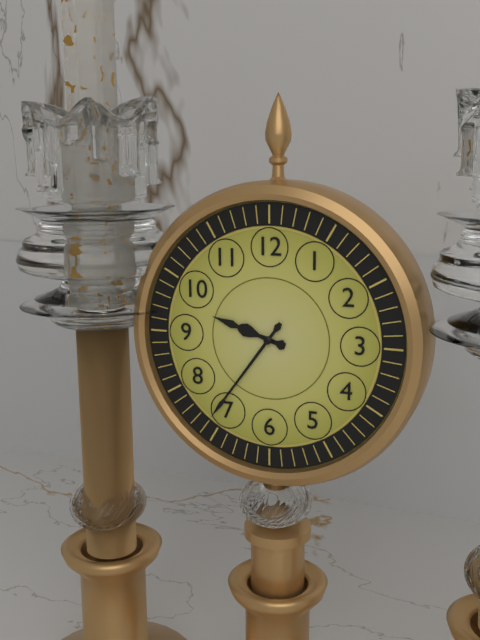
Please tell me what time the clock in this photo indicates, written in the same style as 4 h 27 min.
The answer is 9 h 36 min
